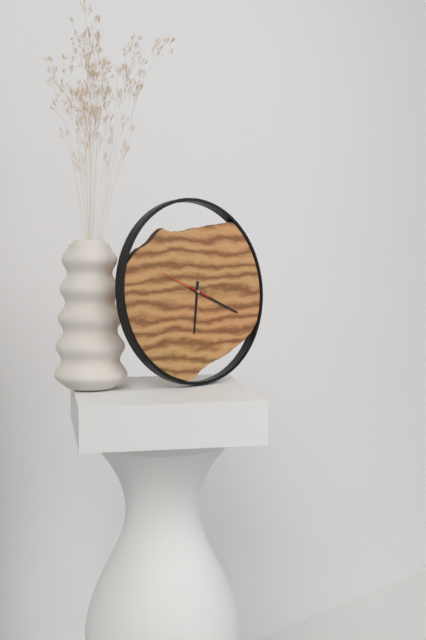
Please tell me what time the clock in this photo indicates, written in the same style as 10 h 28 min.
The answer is 6 h 19 min
